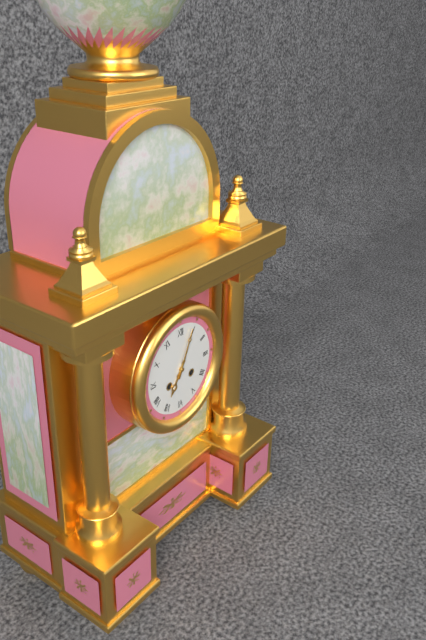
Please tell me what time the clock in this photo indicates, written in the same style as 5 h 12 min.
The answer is 7 h 04 min
